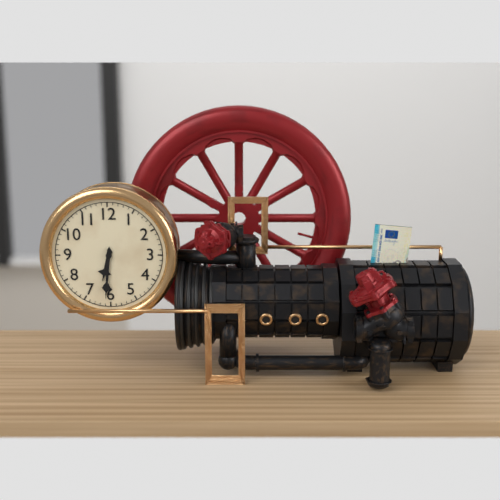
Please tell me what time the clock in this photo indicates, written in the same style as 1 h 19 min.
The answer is 6 h 31 min
